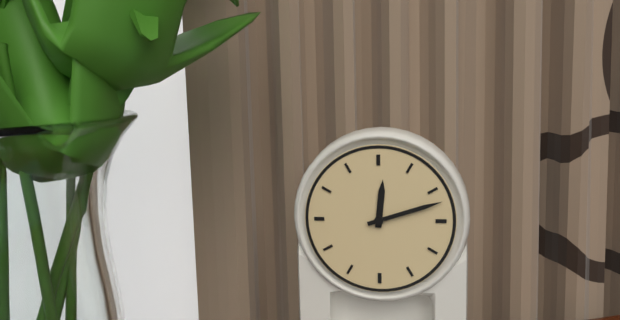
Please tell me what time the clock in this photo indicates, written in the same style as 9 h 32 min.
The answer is 12 h 12 min
